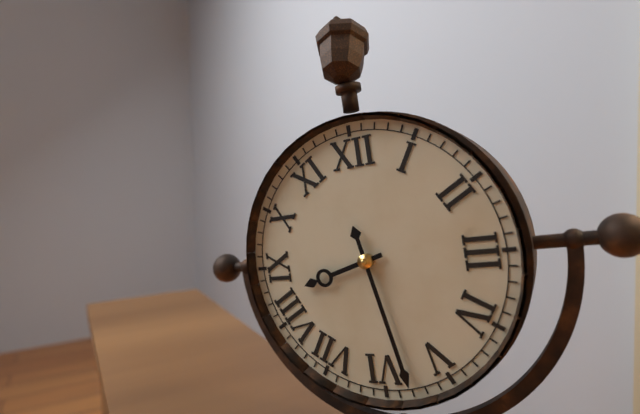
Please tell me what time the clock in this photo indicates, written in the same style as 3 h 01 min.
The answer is 8 h 28 min
